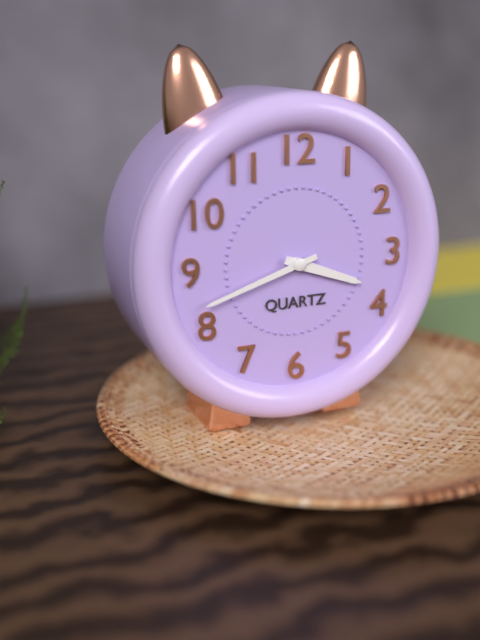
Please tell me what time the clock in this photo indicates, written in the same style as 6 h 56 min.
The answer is 3 h 42 min
